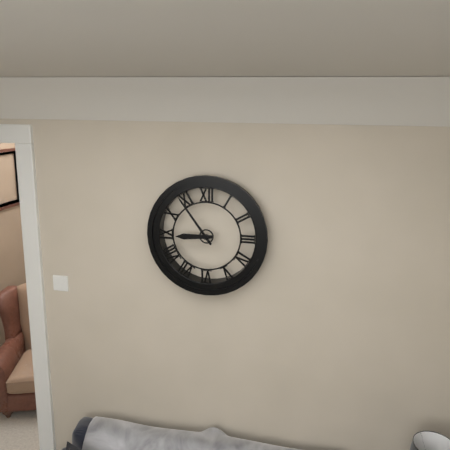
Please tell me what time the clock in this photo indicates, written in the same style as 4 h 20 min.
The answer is 8 h 54 min
